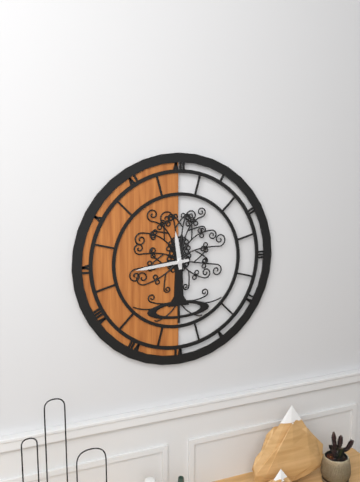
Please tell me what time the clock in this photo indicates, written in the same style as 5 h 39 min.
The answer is 11 h 44 min
